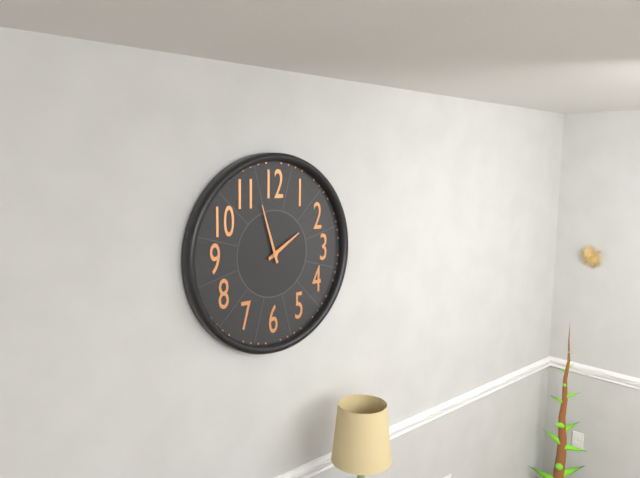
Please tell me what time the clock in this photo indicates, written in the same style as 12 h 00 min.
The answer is 1 h 57 min
